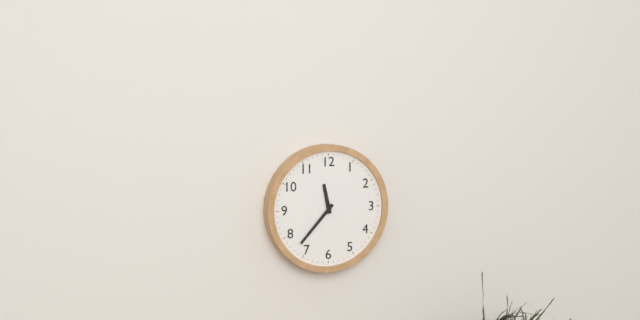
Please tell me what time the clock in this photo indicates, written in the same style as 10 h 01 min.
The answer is 11 h 37 min
